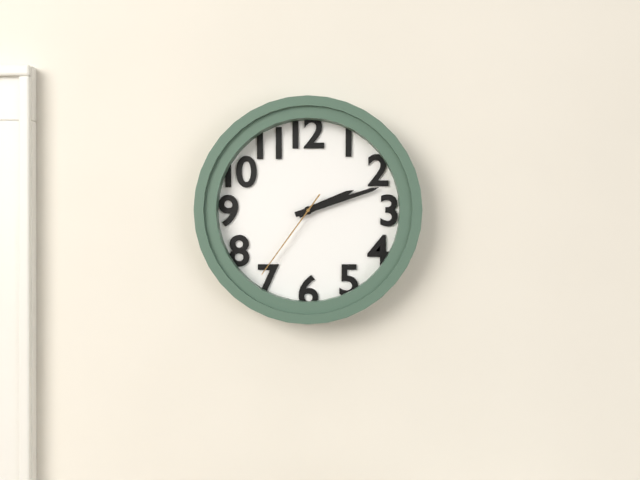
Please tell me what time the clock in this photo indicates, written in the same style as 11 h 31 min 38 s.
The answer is 2 h 12 min 36 s
